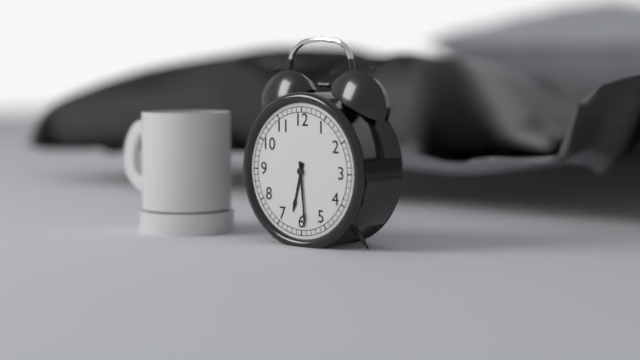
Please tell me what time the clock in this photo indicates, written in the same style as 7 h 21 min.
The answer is 6 h 29 min
